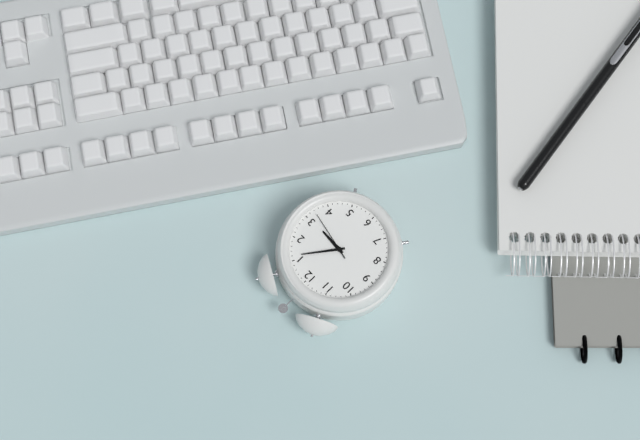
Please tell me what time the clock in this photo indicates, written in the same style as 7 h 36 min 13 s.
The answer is 3 h 06 min 17 s
